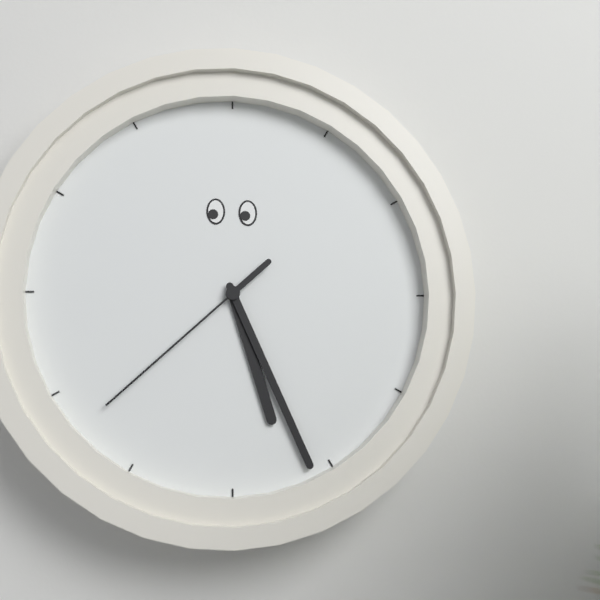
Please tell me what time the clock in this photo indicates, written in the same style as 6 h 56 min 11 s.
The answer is 5 h 26 min 38 s
